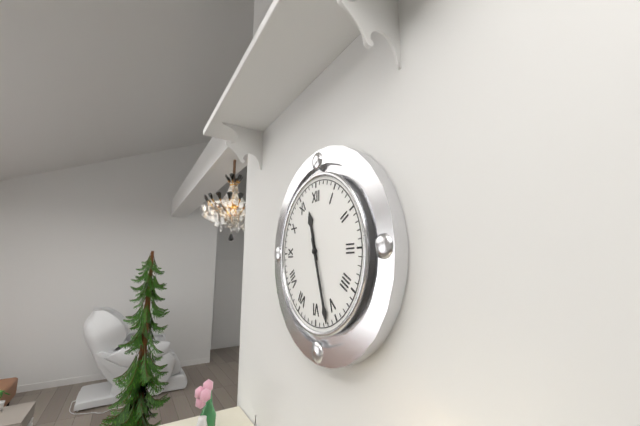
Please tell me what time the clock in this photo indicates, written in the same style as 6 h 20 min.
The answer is 11 h 27 min
